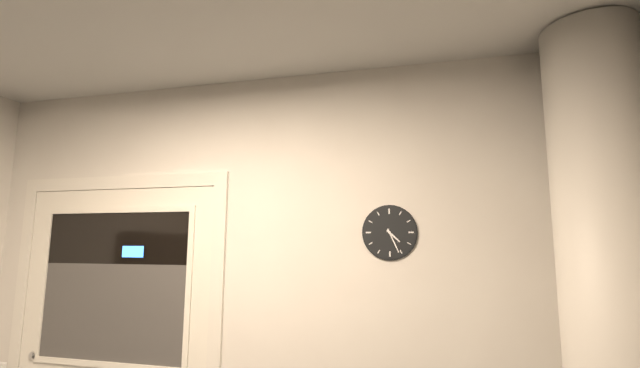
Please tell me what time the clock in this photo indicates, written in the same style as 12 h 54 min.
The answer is 4 h 26 min
